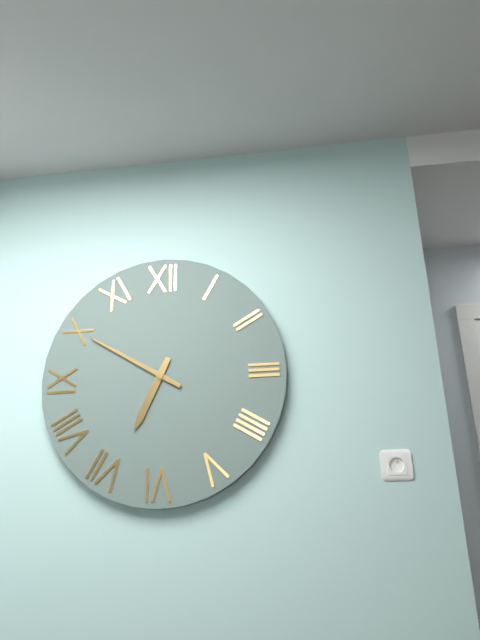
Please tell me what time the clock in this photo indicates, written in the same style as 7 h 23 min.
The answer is 6 h 50 min
